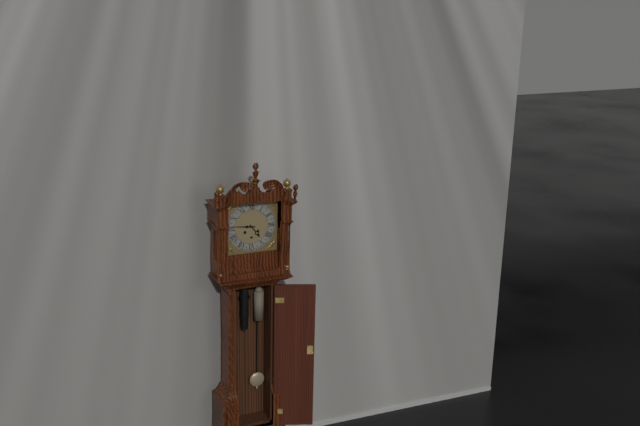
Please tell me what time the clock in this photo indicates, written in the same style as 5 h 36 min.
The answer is 4 h 46 min
